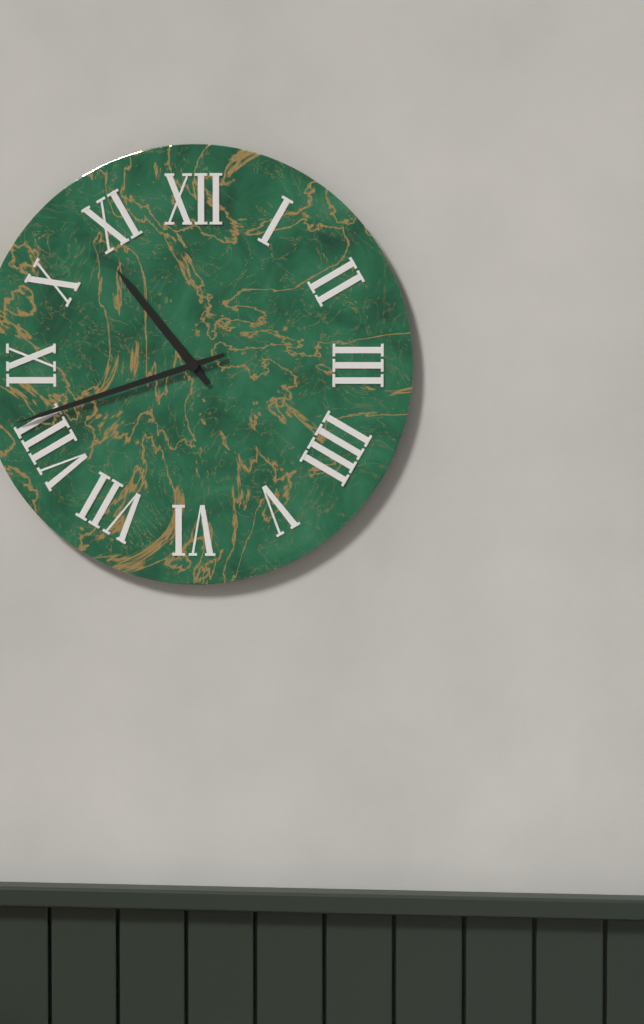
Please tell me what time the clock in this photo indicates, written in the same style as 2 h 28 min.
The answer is 10 h 42 min
